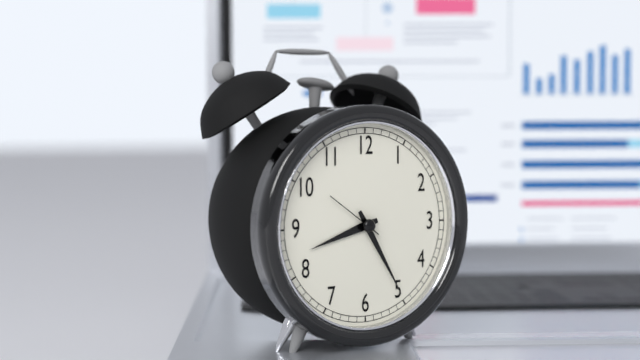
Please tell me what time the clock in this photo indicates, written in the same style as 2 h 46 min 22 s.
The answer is 8 h 25 min 51 s
